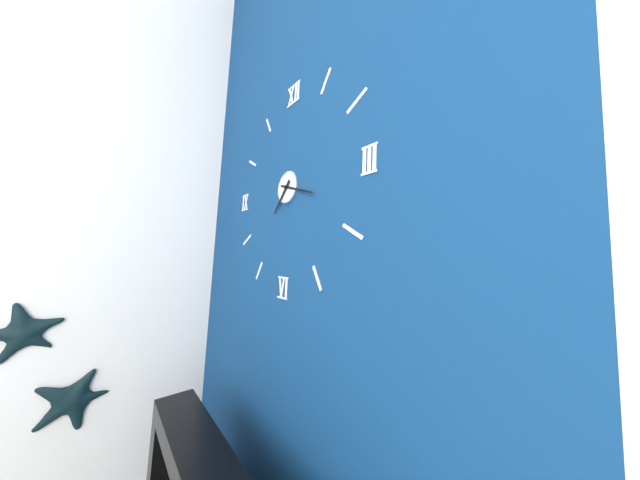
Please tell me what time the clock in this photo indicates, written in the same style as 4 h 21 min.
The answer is 7 h 18 min
